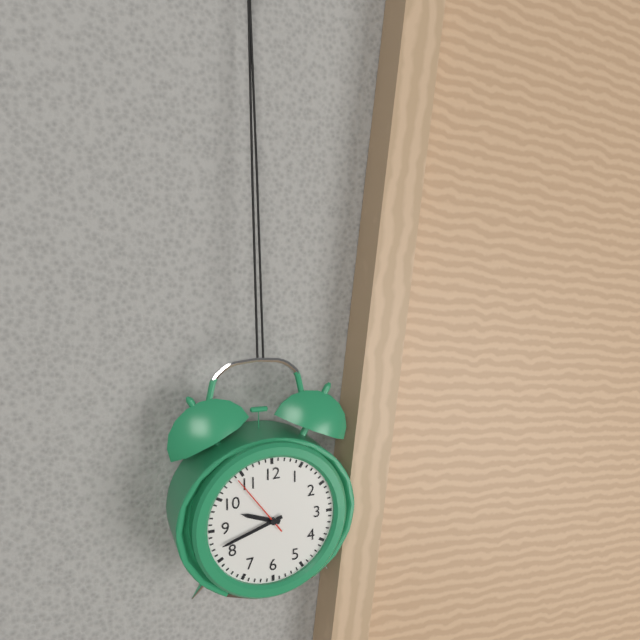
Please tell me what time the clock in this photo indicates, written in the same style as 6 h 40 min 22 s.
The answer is 9 h 42 min 54 s
